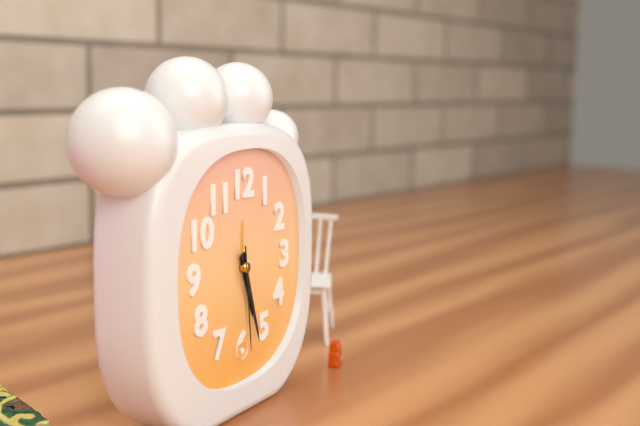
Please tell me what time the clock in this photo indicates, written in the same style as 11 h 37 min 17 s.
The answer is 5 h 27 min 29 s
